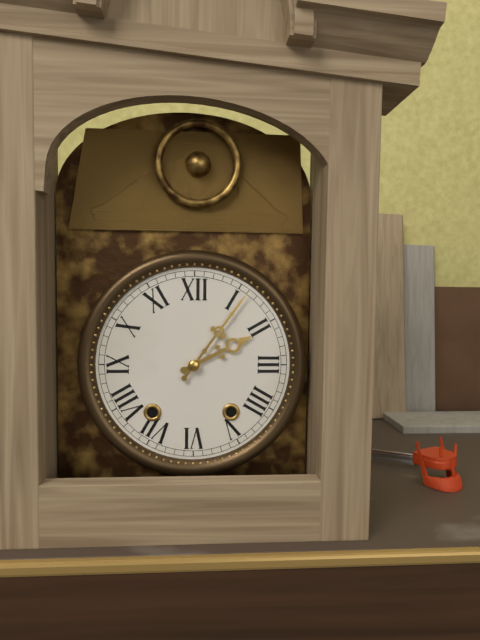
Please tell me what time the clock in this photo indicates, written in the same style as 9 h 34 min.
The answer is 2 h 06 min
